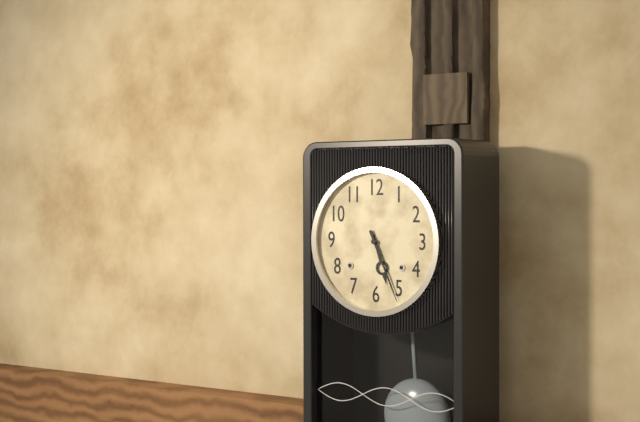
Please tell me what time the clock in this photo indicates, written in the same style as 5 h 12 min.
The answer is 5 h 26 min
